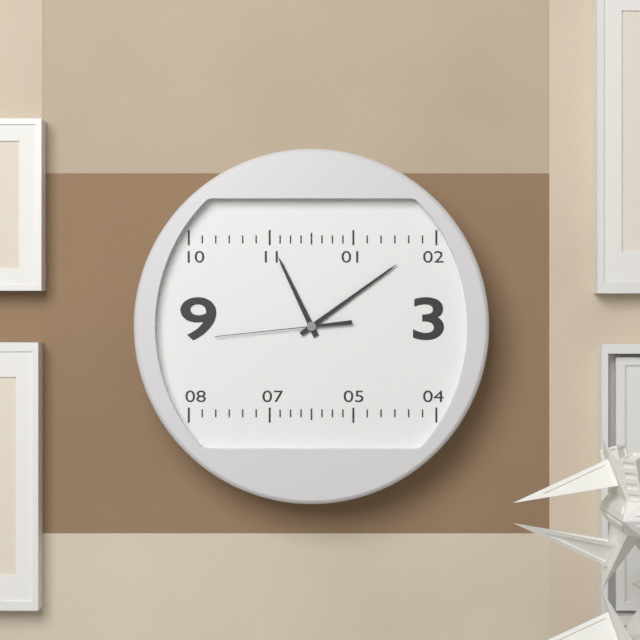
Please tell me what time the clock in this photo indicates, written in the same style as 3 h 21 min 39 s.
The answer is 11 h 09 min 44 s
